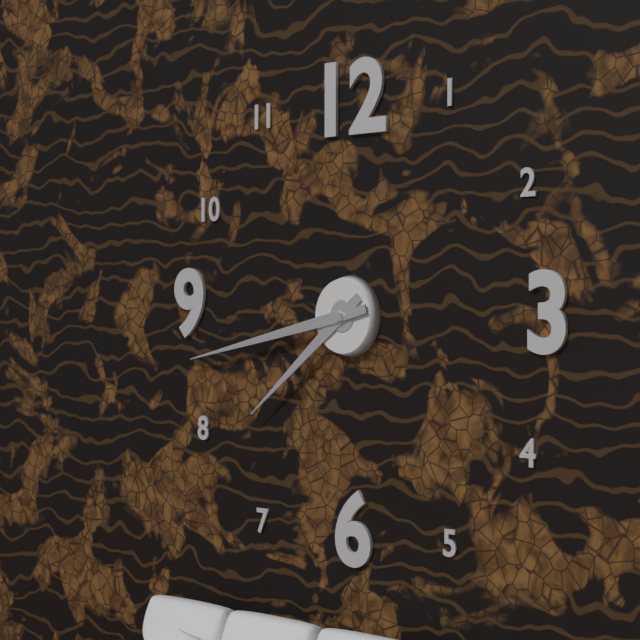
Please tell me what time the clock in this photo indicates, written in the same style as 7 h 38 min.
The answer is 7 h 43 min
